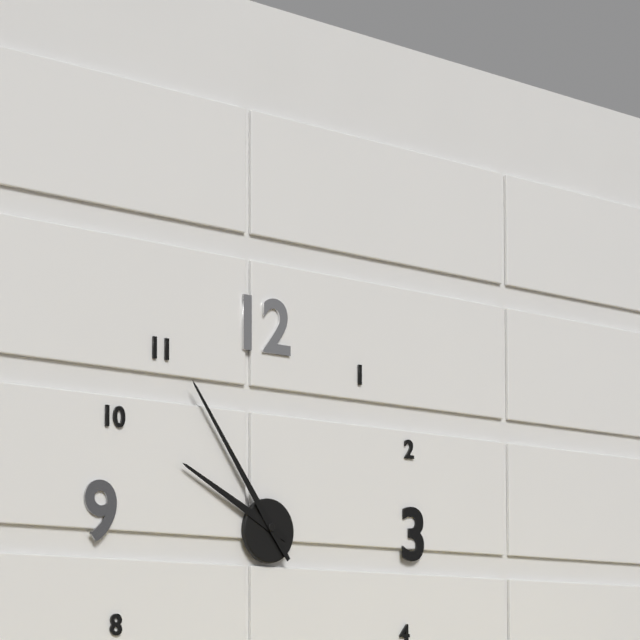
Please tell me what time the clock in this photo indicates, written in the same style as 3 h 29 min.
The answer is 9 h 54 min
